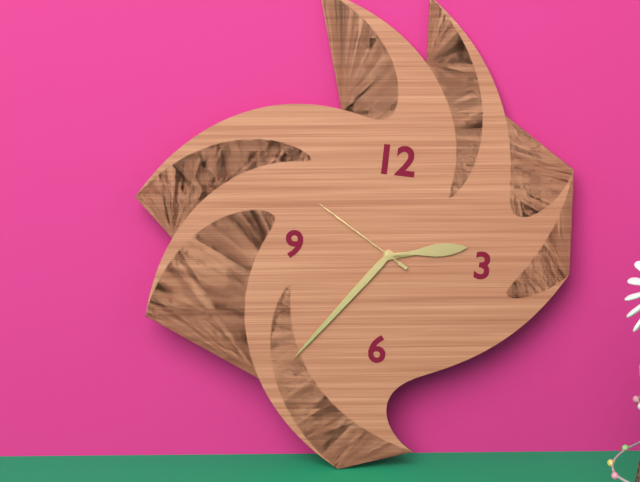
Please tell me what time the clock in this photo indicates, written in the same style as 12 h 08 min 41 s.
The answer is 2 h 36 min 50 s
